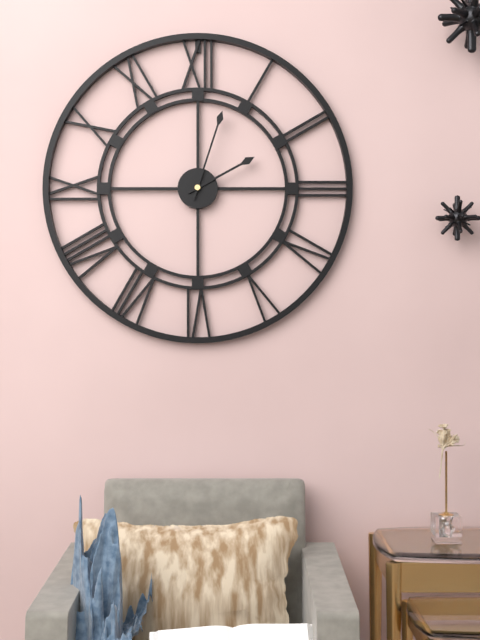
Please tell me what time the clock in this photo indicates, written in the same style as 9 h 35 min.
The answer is 2 h 03 min
